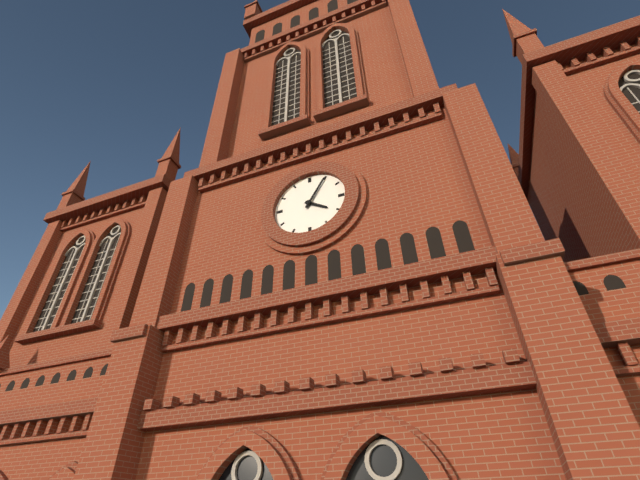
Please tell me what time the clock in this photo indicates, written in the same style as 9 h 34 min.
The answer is 4 h 05 min
